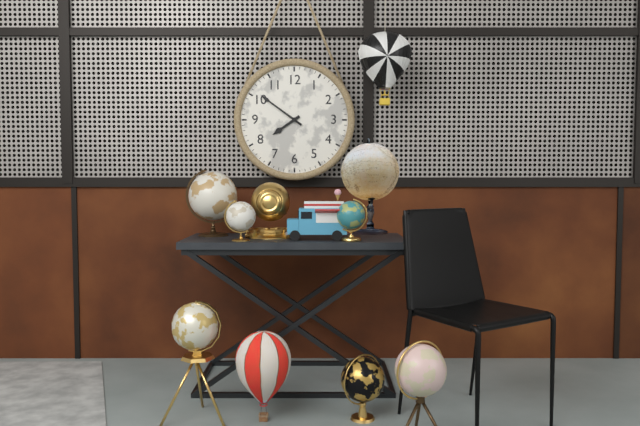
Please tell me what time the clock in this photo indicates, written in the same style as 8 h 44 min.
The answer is 7 h 51 min
